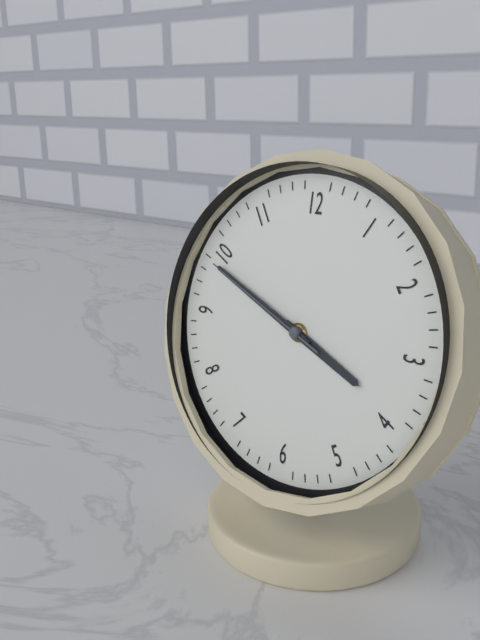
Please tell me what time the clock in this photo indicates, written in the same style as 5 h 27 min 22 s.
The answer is 3 h 49 min 49 s
